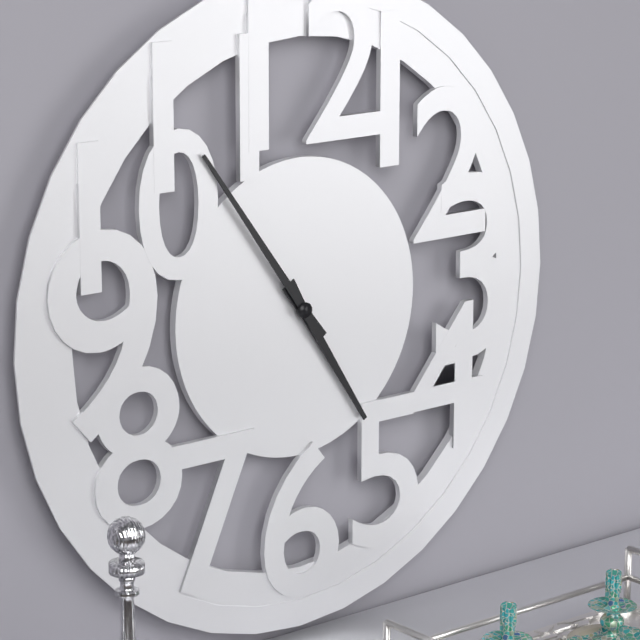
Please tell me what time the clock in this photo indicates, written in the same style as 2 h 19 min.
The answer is 4 h 54 min
